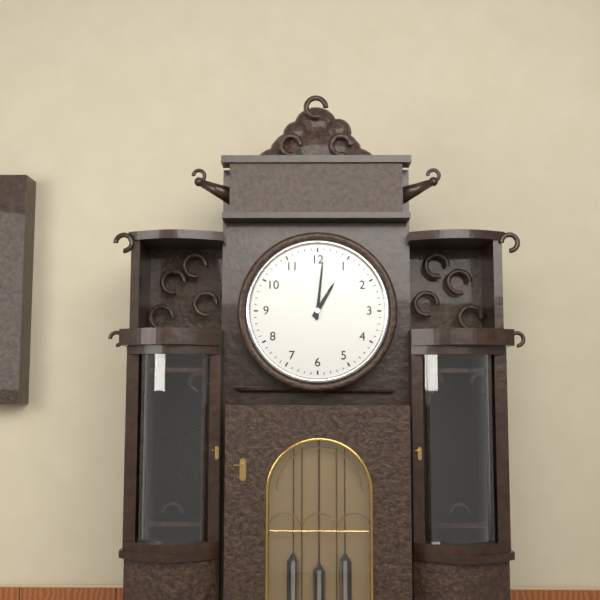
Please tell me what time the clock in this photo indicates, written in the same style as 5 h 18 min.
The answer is 1 h 01 min
